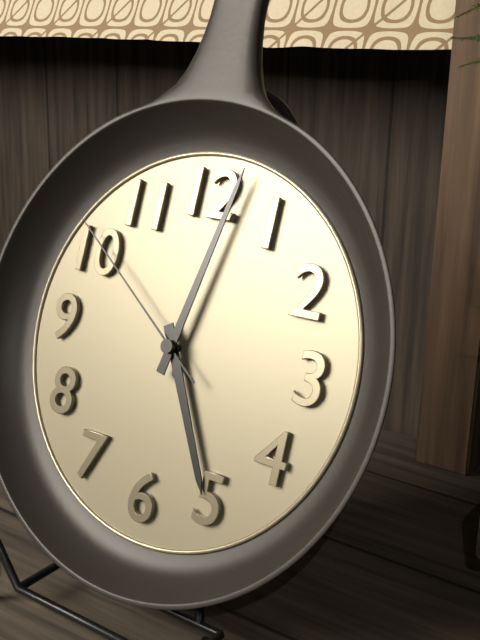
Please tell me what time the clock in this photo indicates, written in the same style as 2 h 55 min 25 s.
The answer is 5 h 02 min 51 s
